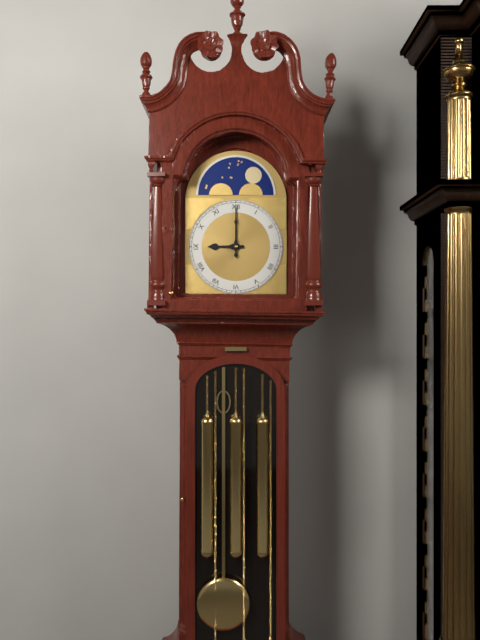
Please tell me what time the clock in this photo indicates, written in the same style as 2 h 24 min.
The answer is 9 h 00 min
